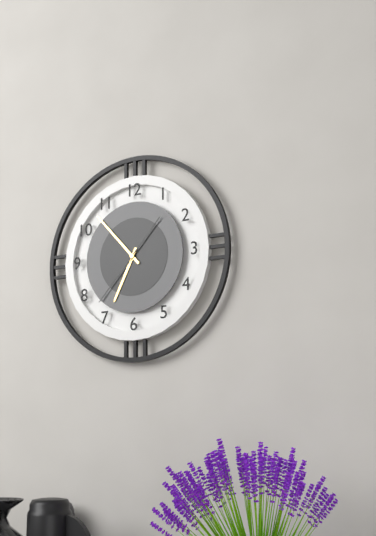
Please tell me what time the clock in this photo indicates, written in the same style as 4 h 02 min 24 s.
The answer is 6 h 53 min 37 s
